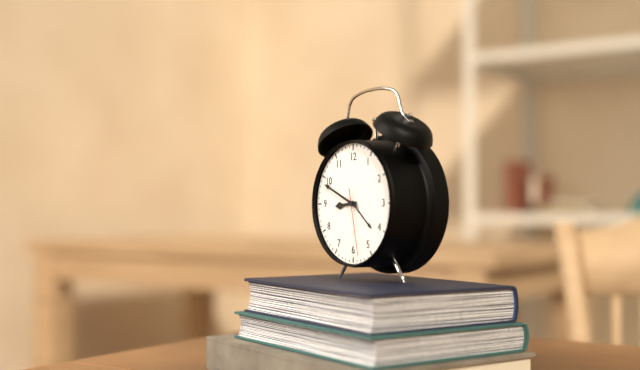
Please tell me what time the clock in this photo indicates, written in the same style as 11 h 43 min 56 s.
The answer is 8 h 49 min 28 s
